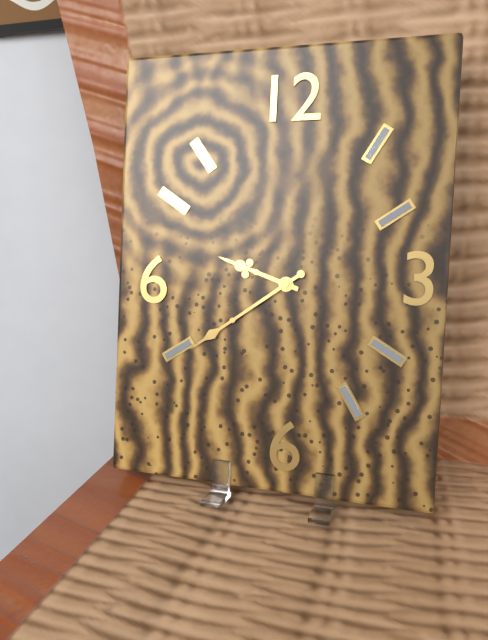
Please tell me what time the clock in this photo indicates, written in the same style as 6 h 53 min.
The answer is 9 h 39 min
